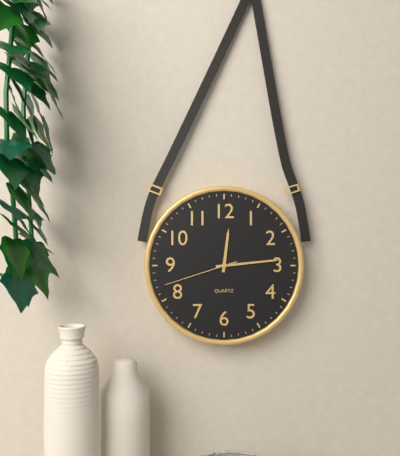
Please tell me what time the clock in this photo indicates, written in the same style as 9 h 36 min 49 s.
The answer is 12 h 14 min 42 s
